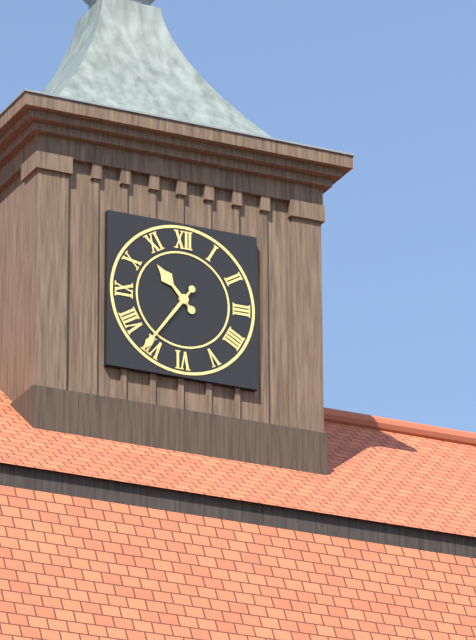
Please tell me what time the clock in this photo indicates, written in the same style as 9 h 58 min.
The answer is 10 h 36 min
